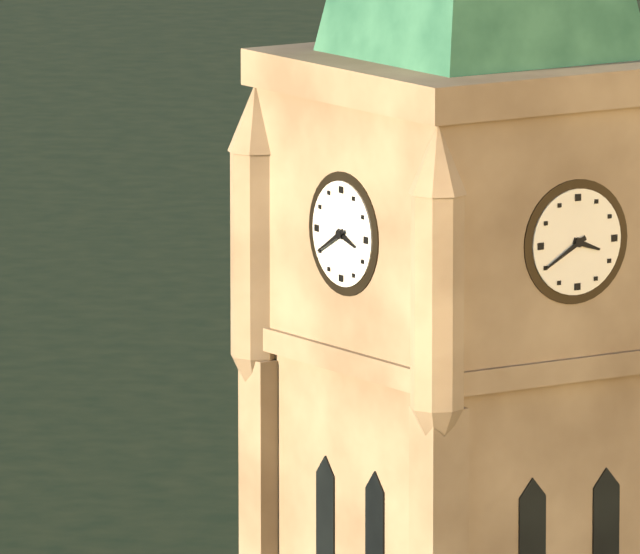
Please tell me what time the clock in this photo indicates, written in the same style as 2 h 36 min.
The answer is 3 h 40 min
